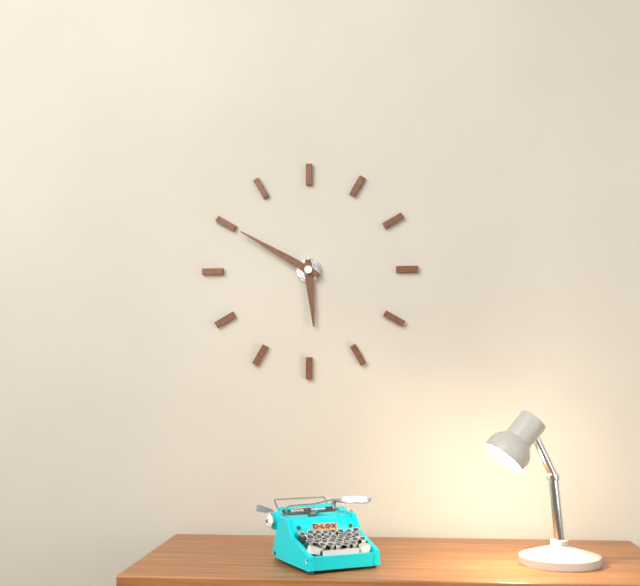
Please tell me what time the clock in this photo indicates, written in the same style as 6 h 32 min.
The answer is 5 h 50 min
